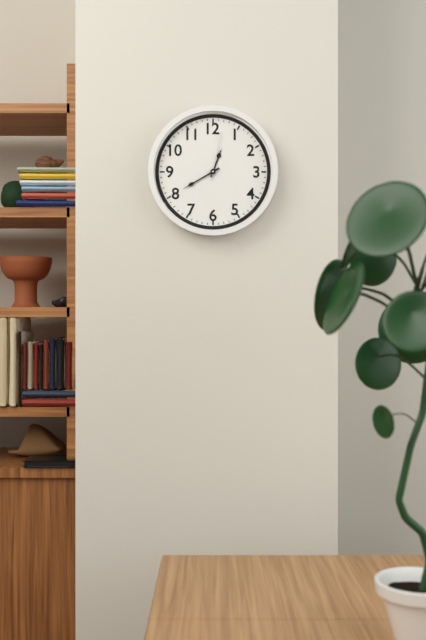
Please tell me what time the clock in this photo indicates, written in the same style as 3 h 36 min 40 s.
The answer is 12 h 40 min 02 s
